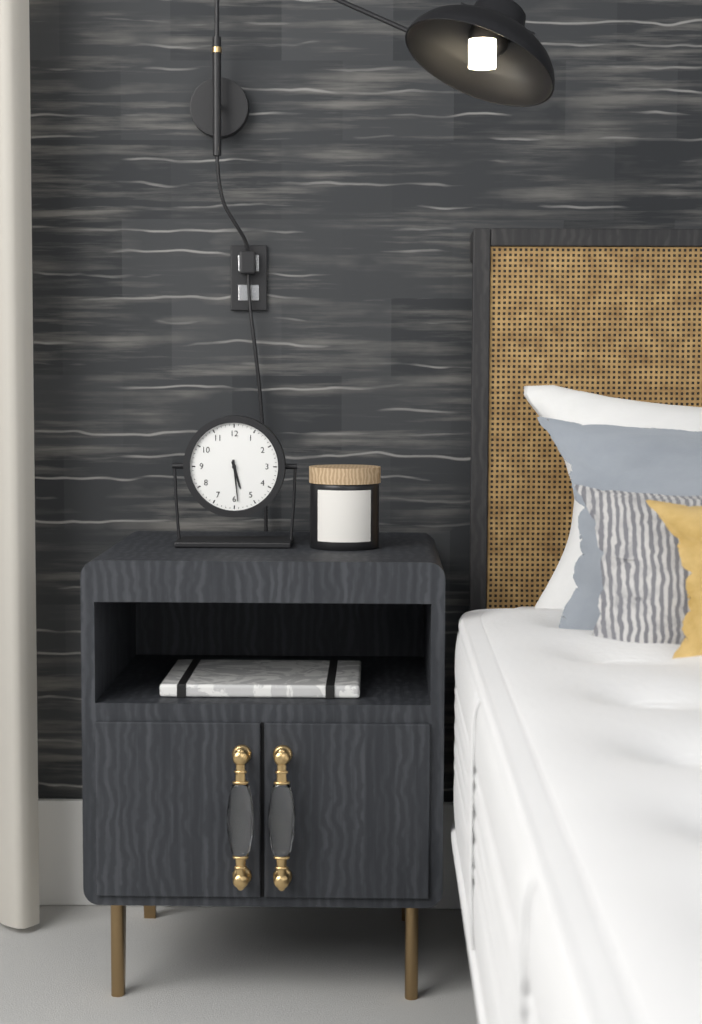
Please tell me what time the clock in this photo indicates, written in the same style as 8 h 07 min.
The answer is 5 h 29 min
